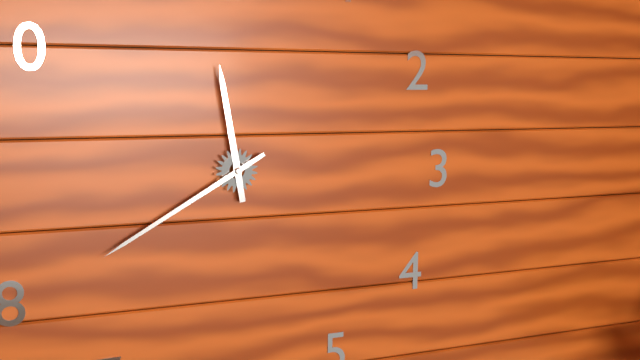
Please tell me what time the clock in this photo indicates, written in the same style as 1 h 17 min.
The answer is 11 h 40 min
